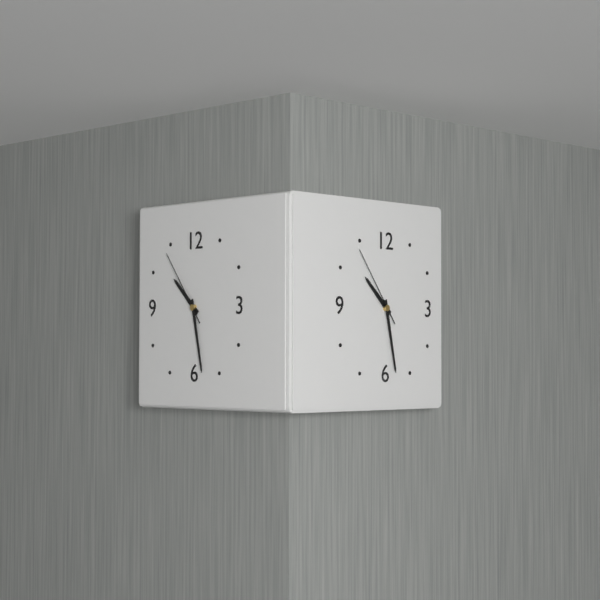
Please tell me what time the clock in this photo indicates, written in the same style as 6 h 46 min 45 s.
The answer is 10 h 28 min 54 s
